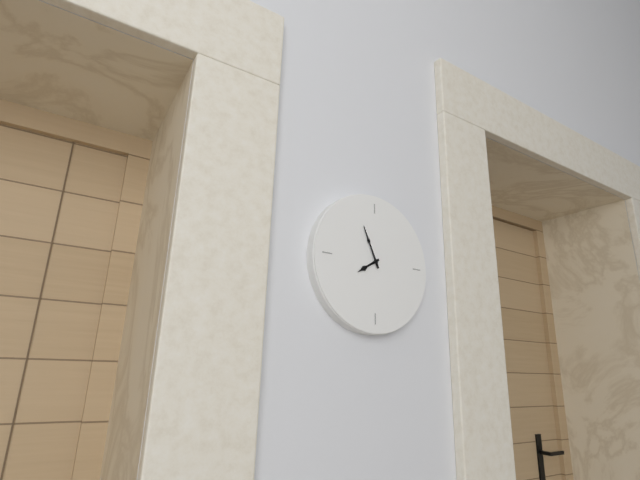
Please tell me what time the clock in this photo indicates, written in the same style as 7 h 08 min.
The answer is 7 h 56 min
